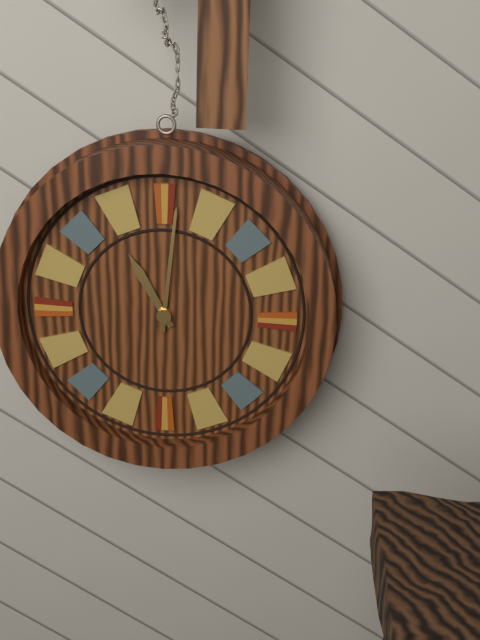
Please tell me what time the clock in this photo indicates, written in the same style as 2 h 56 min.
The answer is 11 h 01 min
